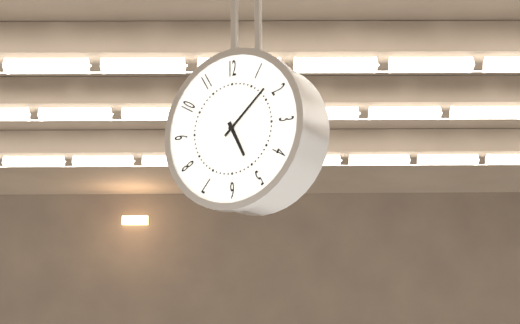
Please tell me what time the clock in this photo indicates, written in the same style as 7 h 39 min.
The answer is 5 h 08 min
